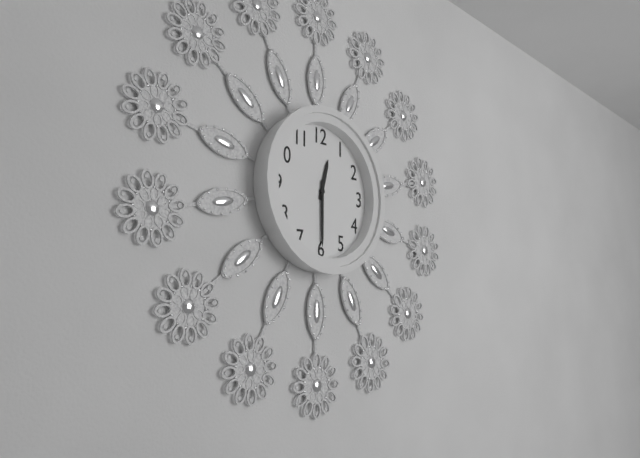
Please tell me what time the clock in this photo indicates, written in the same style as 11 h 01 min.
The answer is 12 h 30 min
